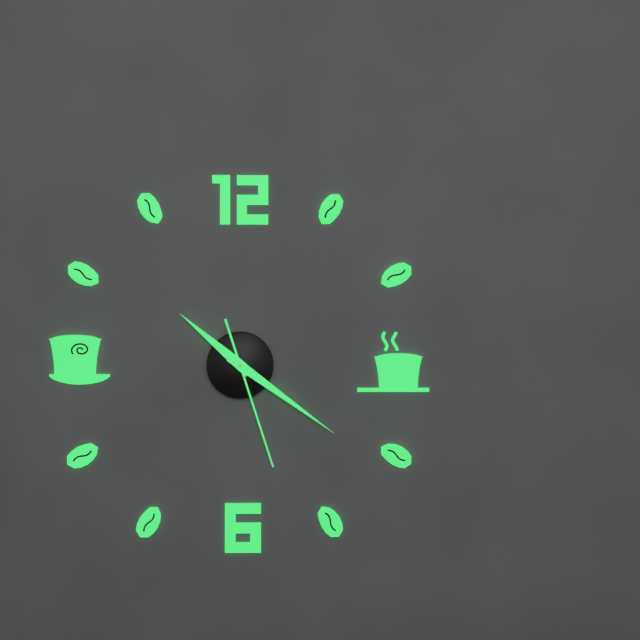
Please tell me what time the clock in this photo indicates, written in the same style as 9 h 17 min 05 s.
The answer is 10 h 21 min 27 s
